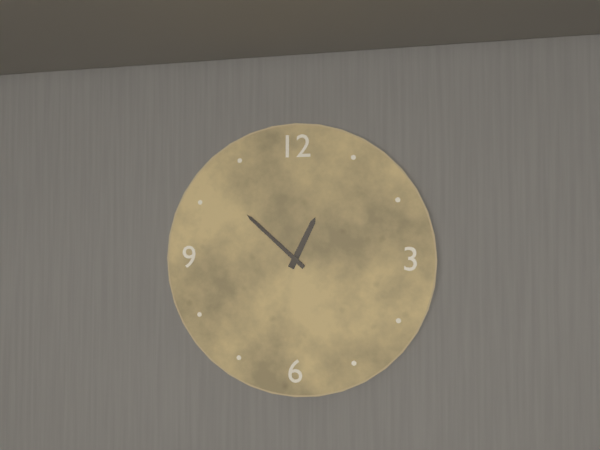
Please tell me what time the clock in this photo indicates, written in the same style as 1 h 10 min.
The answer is 12 h 52 min
